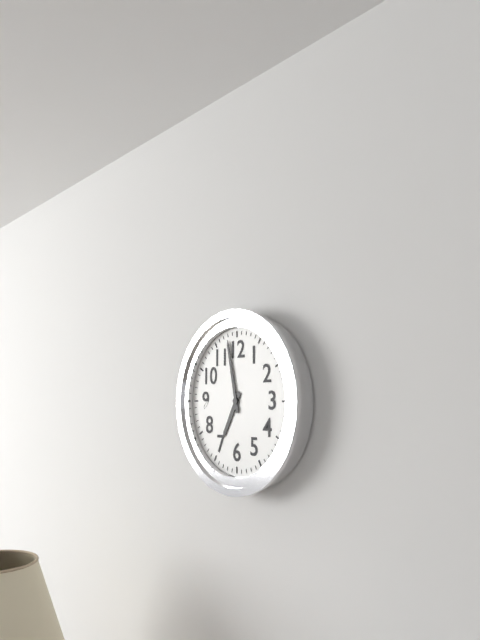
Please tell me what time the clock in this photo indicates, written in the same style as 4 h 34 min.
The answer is 6 h 58 min
